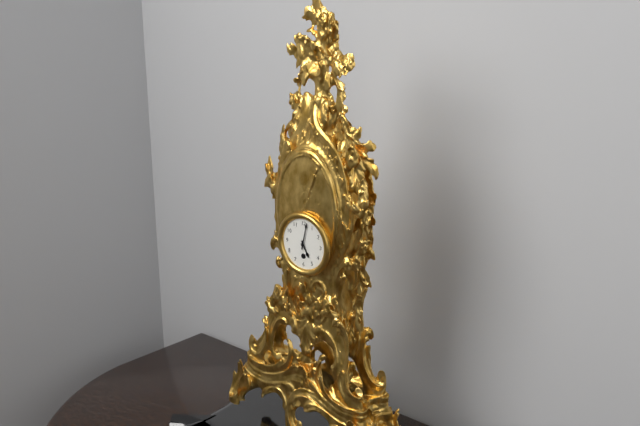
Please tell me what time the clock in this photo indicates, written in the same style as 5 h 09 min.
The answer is 5 h 02 min
